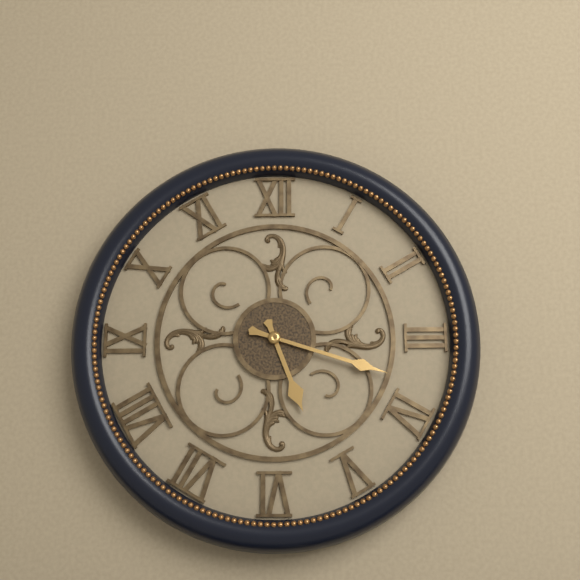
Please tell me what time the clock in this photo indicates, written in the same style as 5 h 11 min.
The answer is 5 h 18 min
